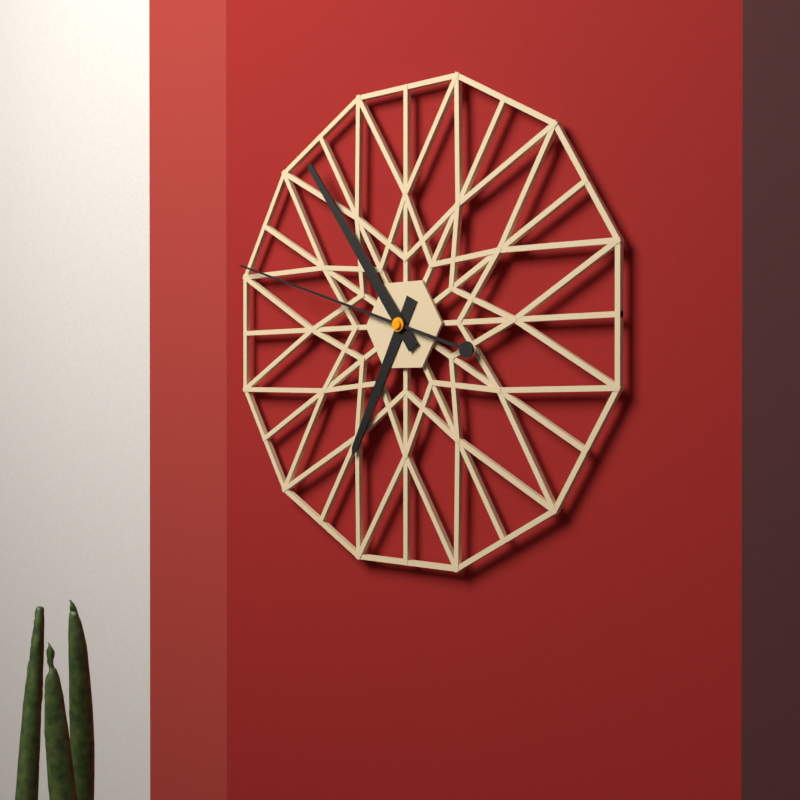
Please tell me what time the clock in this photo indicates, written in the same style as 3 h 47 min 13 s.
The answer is 6 h 54 min 48 s
